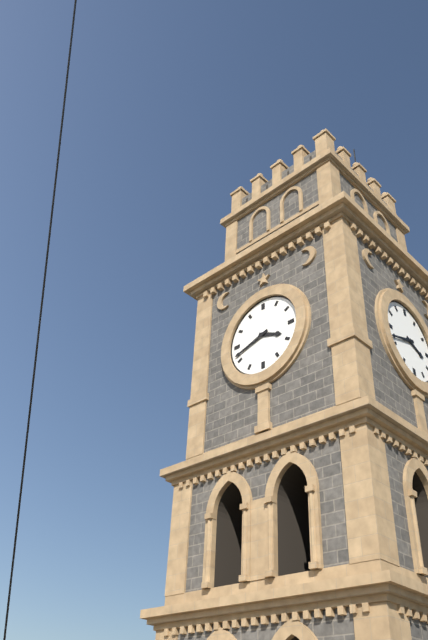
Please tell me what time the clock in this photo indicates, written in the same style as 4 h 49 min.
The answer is 3 h 42 min
